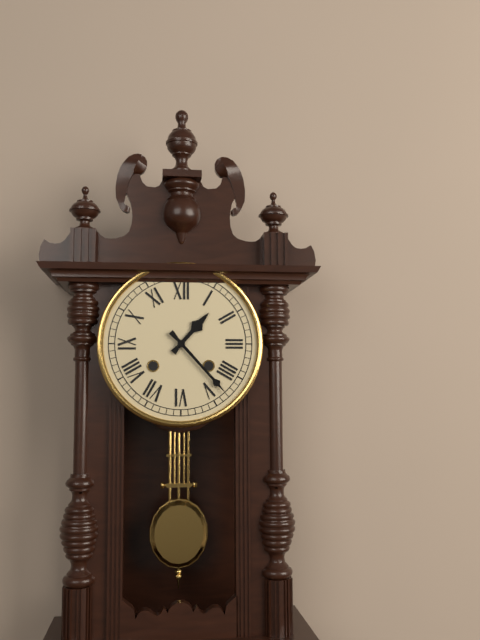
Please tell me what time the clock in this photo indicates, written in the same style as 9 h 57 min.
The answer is 1 h 23 min
